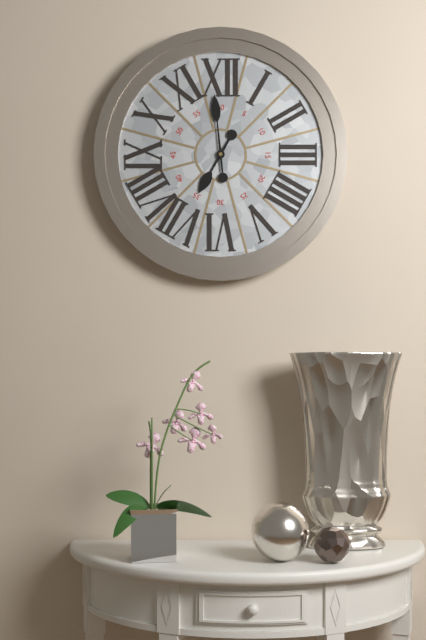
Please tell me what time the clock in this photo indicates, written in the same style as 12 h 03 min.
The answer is 6 h 59 min
